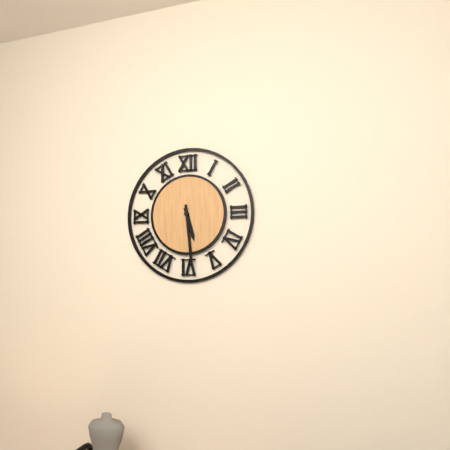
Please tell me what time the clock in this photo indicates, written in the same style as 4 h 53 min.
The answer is 5 h 29 min
